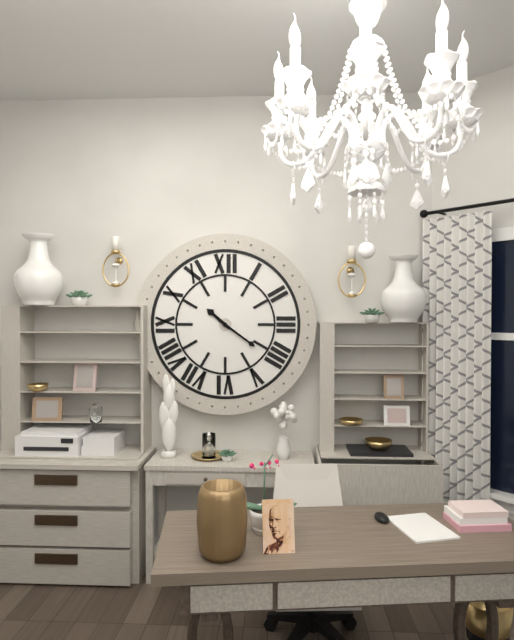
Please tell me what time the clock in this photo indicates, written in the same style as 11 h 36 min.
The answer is 10 h 21 min
